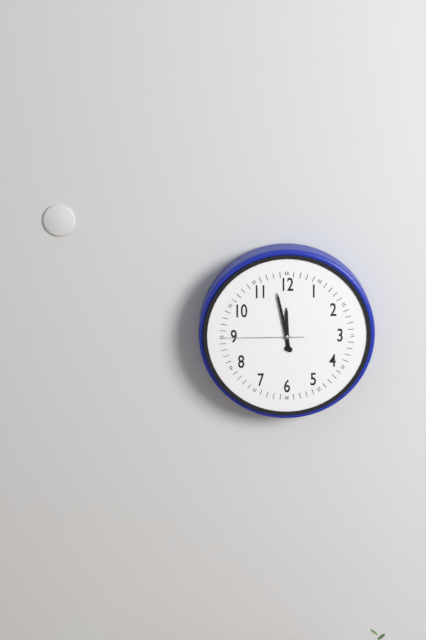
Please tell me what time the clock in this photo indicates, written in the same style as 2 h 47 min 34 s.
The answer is 11 h 58 min 45 s
